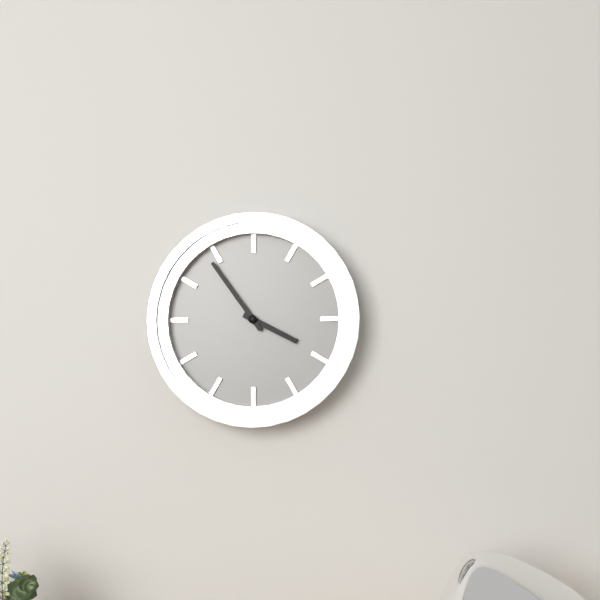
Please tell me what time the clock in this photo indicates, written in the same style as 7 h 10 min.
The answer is 3 h 54 min
